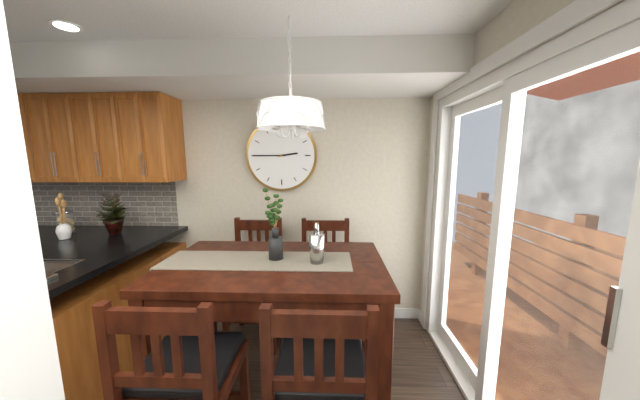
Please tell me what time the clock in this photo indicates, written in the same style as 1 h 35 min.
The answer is 2 h 45 min
